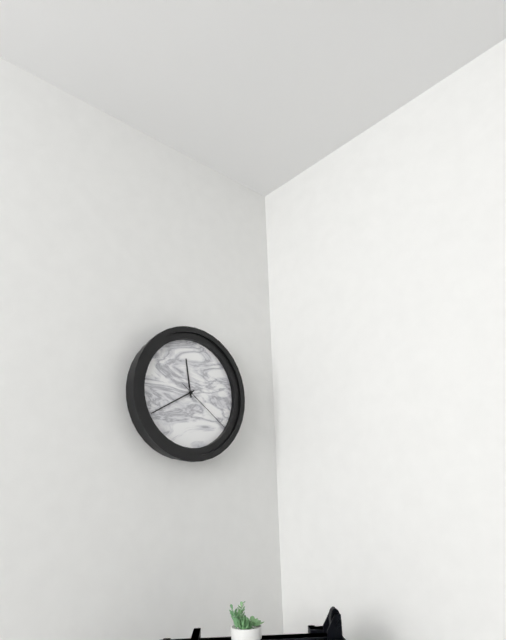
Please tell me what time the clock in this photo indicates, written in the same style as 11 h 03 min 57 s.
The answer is 11 h 40 min 21 s
